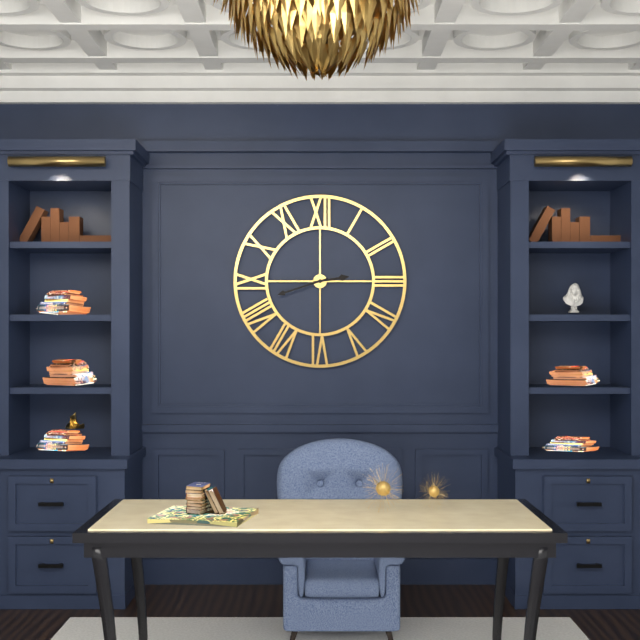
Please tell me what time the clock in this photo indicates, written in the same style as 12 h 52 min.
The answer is 2 h 42 min
